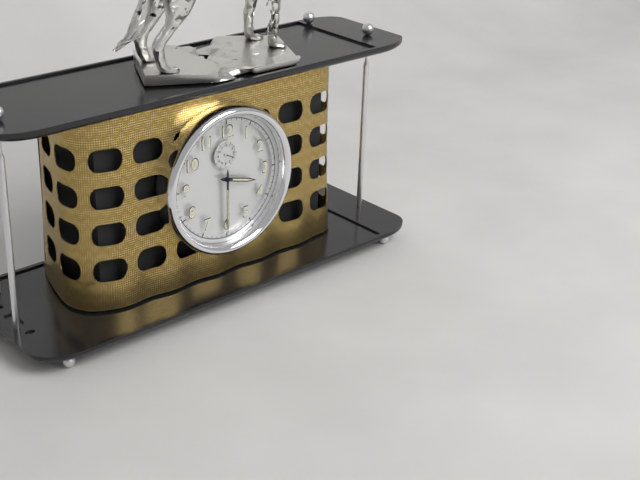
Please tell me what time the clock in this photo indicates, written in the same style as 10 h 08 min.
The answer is 3 h 30 min
